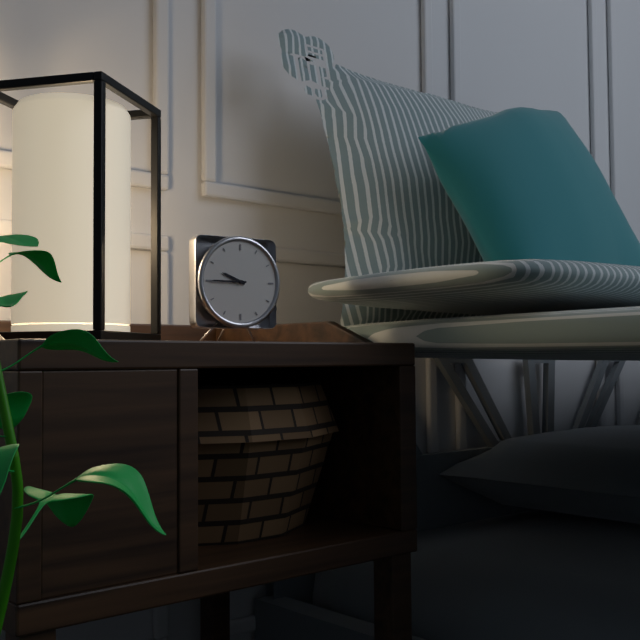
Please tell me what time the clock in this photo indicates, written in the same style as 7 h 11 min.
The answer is 9 h 45 min
